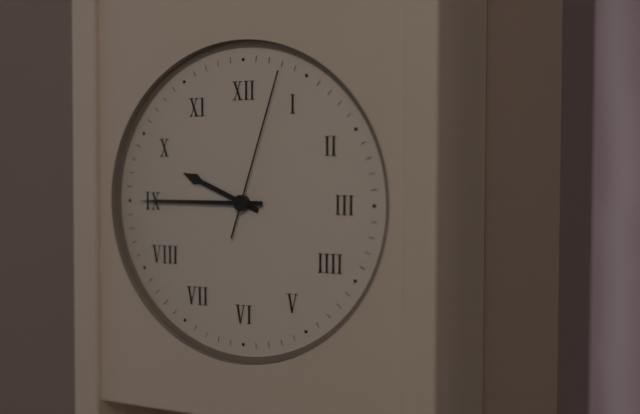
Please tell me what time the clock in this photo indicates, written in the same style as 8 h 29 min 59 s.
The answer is 9 h 45 min 03 s
